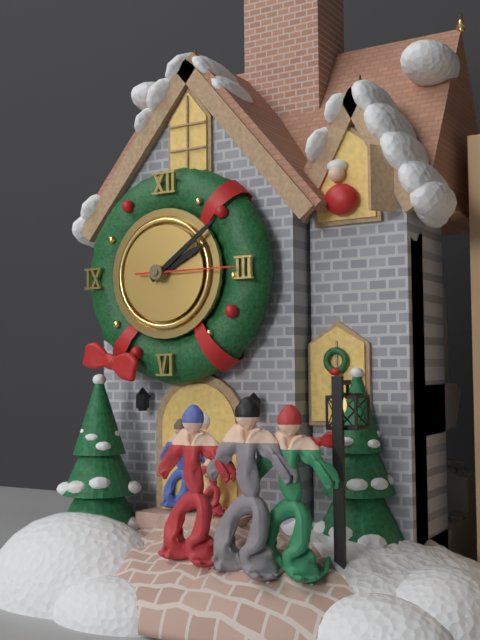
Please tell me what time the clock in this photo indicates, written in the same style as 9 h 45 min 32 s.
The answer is 2 h 09 min 15 s
